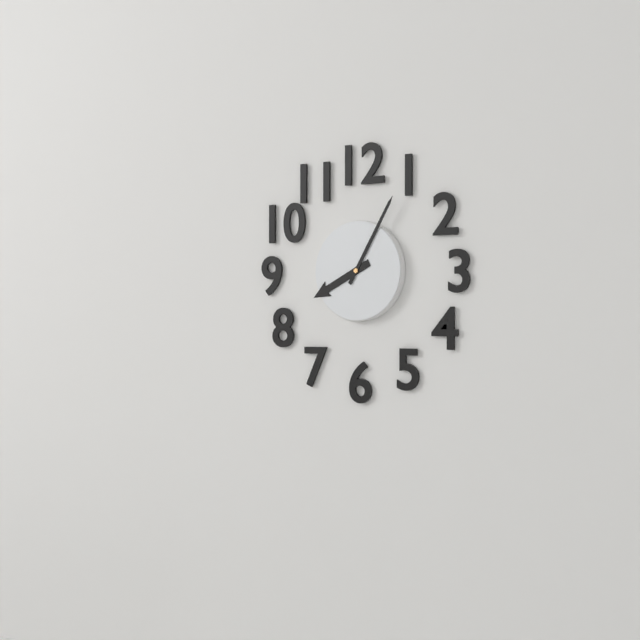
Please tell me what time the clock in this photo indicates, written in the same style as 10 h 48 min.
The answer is 8 h 05 min
